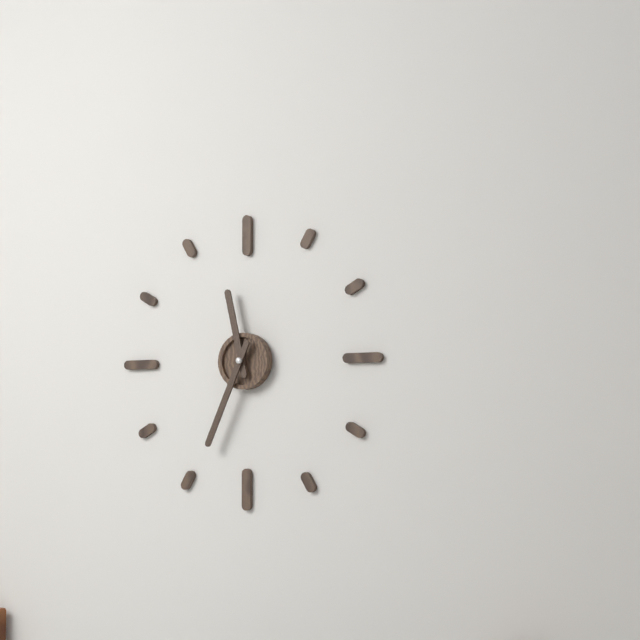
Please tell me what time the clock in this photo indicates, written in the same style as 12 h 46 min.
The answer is 11 h 34 min
